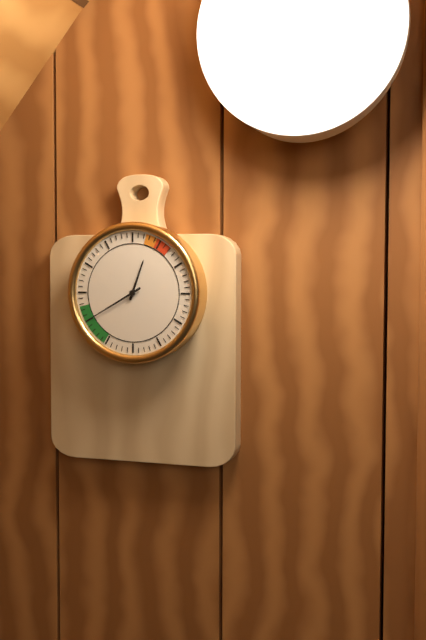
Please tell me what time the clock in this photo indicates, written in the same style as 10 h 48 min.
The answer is 12 h 40 min
